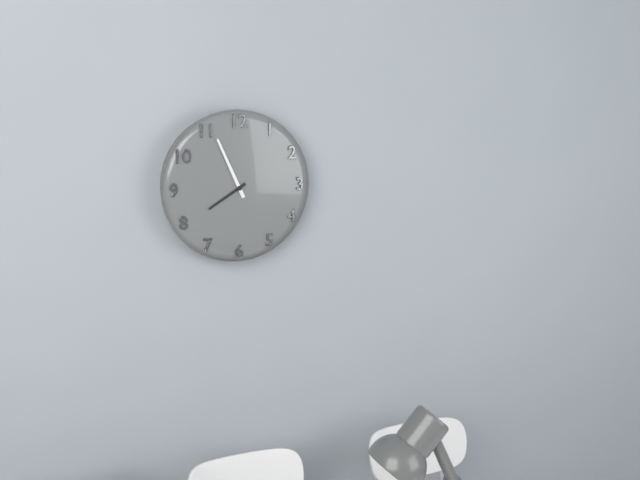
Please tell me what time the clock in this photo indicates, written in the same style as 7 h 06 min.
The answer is 7 h 56 min
